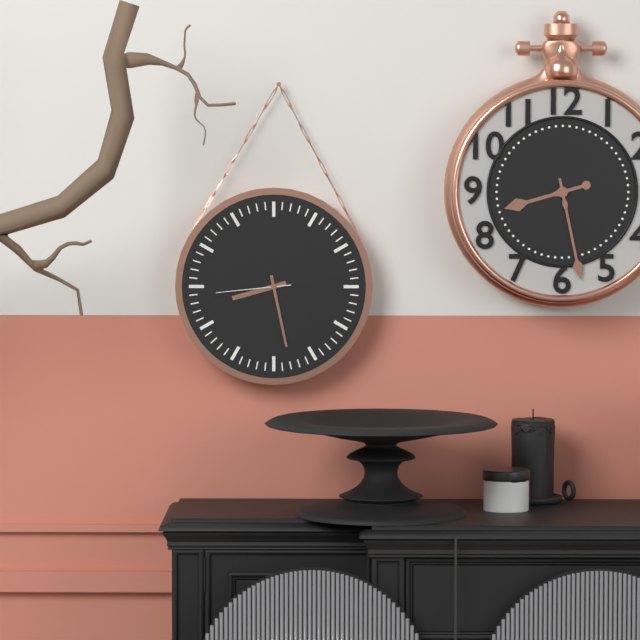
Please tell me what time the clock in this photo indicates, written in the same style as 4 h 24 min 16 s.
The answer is 8 h 28 min 44 s
